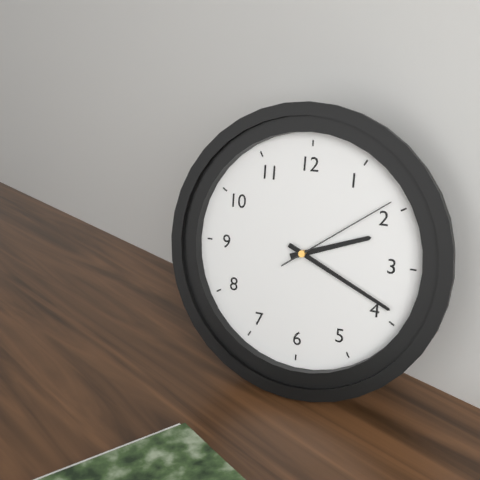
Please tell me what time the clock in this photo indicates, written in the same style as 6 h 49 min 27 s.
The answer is 2 h 19 min 09 s
